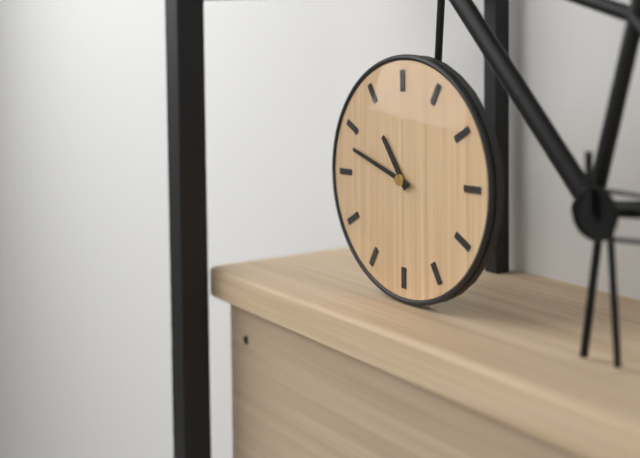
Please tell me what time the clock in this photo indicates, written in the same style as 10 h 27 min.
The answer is 10 h 48 min
